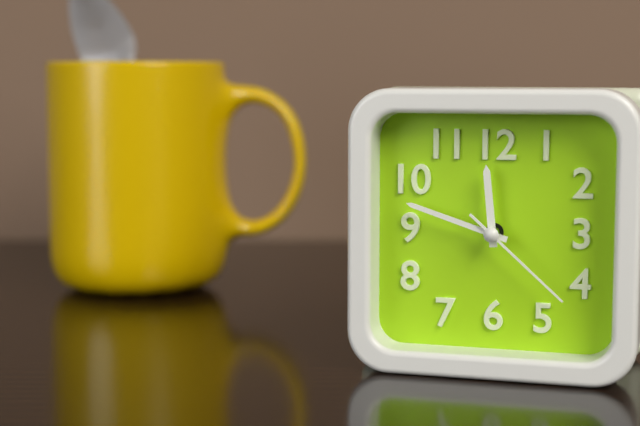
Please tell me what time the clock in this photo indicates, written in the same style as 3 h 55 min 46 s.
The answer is 11 h 48 min 22 s
